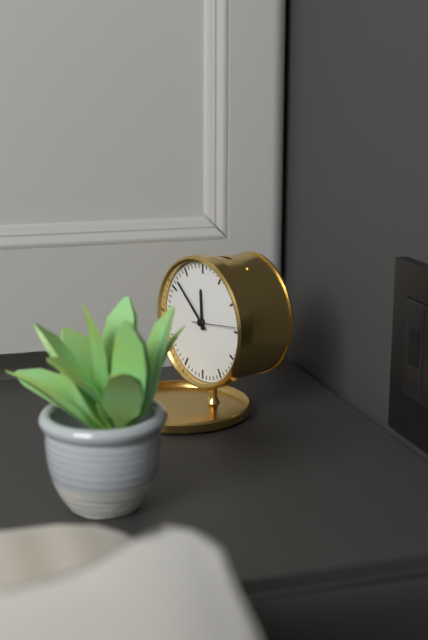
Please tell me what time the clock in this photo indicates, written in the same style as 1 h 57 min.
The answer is 11 h 52 min
